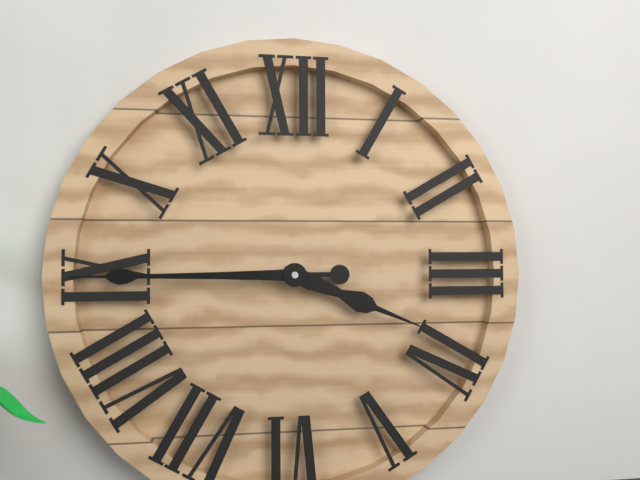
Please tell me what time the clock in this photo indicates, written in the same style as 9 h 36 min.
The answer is 3 h 45 min
